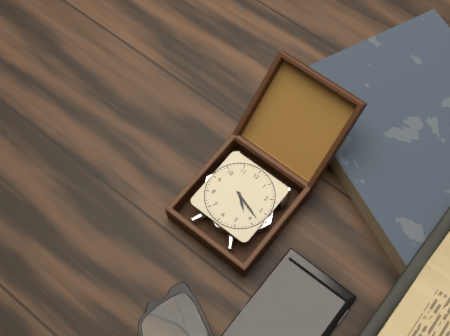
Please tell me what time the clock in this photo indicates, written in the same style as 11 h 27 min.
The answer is 4 h 18 min
